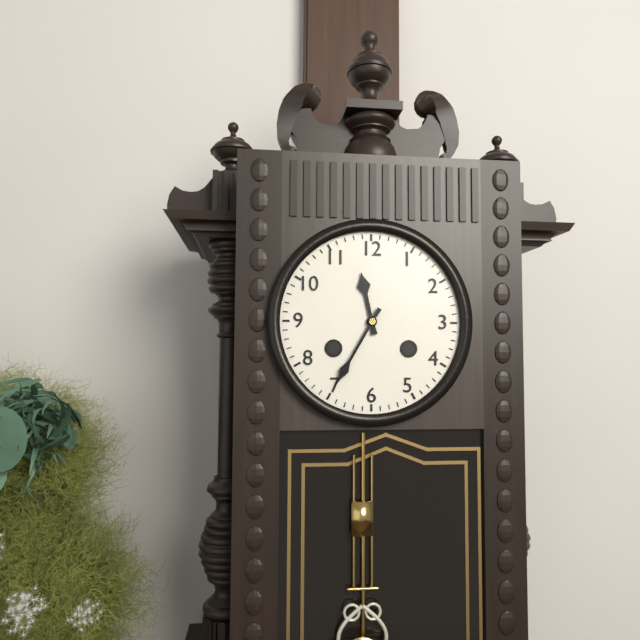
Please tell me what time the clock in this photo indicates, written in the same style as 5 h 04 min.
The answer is 11 h 35 min
